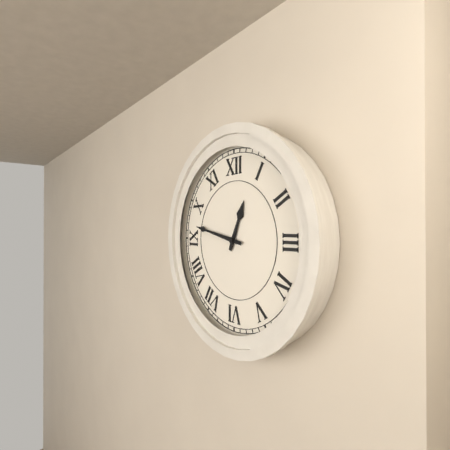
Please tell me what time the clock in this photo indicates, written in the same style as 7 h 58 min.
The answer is 12 h 47 min
